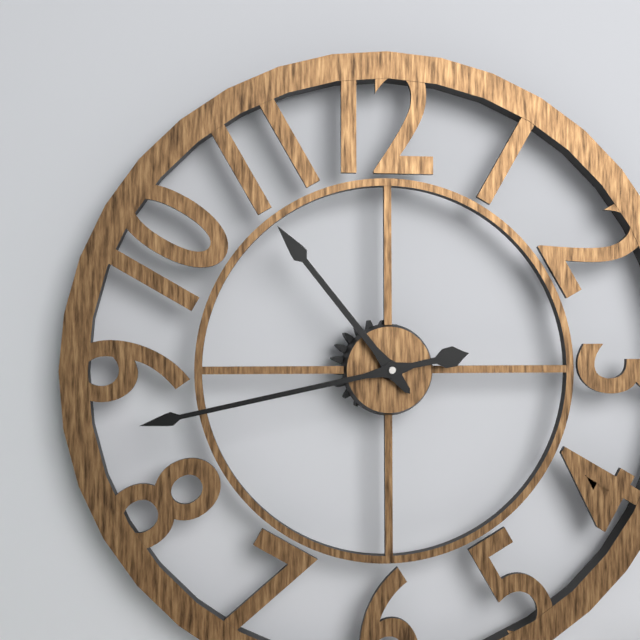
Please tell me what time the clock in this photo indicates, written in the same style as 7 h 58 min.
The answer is 10 h 43 min
